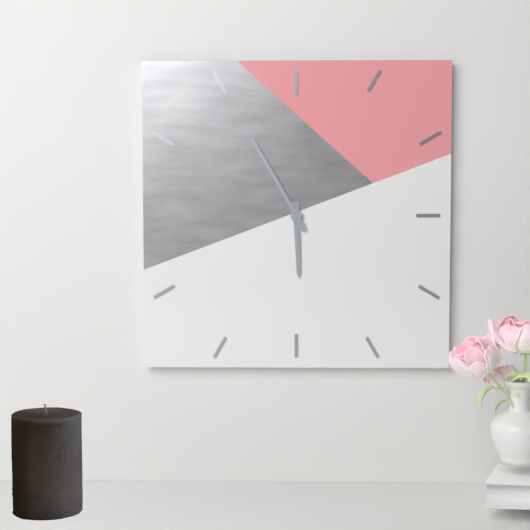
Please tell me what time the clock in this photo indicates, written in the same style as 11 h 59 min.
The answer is 5 h 55 min
